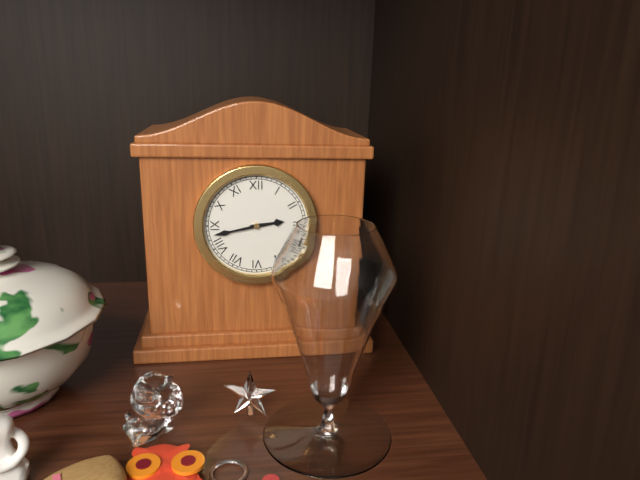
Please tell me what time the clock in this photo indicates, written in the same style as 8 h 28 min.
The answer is 2 h 43 min
